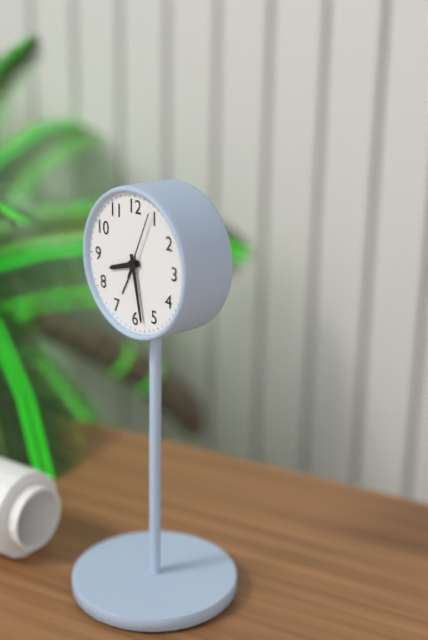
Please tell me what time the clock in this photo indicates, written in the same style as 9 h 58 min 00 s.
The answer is 8 h 28 min 04 s
